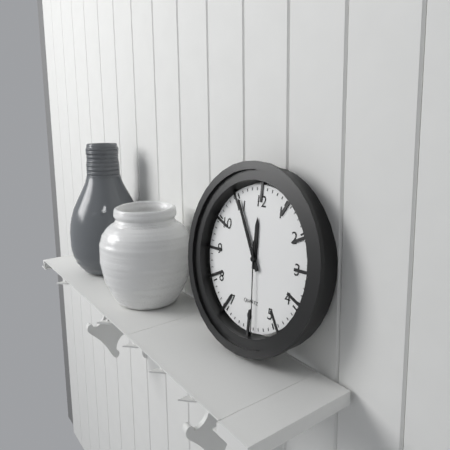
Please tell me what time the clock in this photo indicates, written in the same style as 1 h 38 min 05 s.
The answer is 11 h 55 min 29 s
